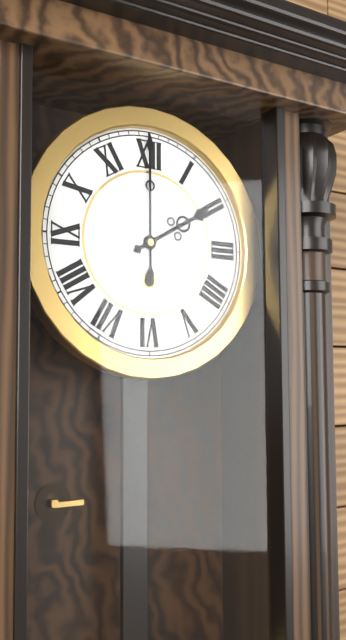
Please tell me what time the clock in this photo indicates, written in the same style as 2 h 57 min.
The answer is 2 h 00 min
